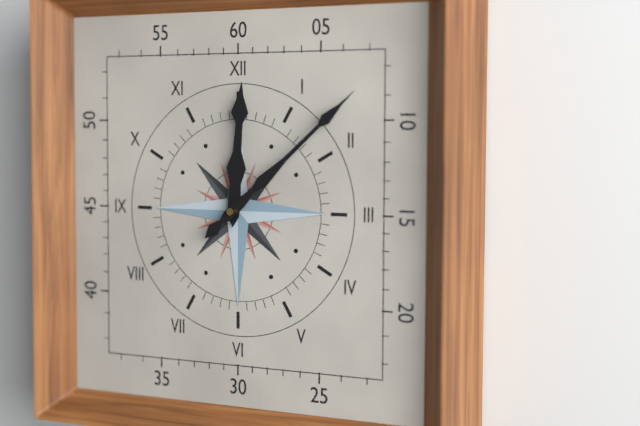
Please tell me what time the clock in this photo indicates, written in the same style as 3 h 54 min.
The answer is 12 h 08 min
